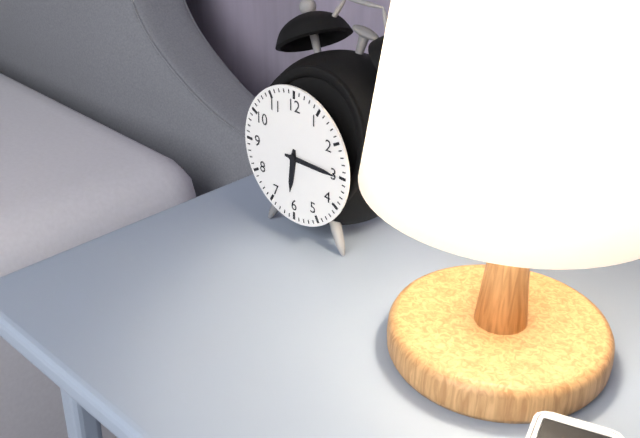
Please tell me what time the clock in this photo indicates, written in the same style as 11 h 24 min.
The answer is 6 h 15 min
